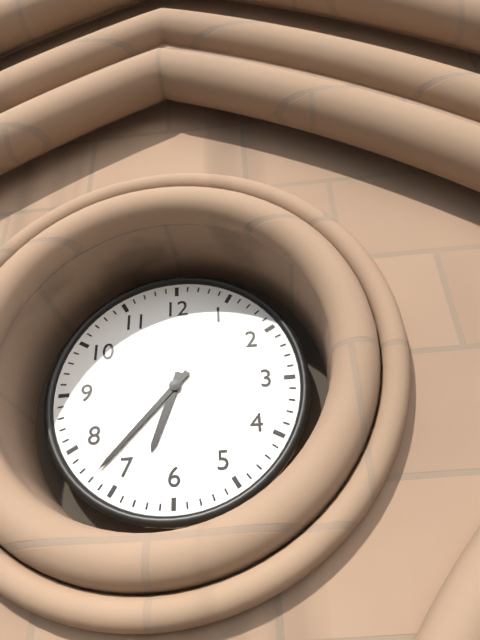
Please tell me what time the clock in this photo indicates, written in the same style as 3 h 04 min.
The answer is 6 h 37 min
